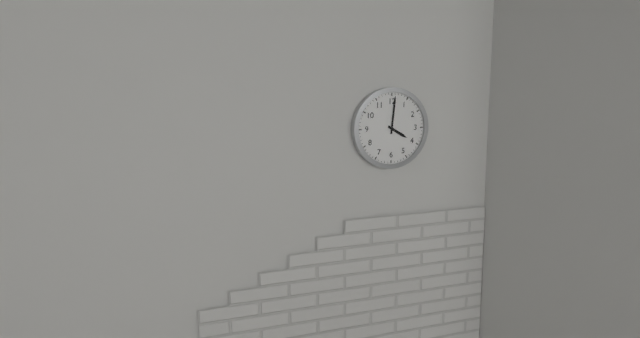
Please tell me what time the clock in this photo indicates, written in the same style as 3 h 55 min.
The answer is 4 h 01 min
